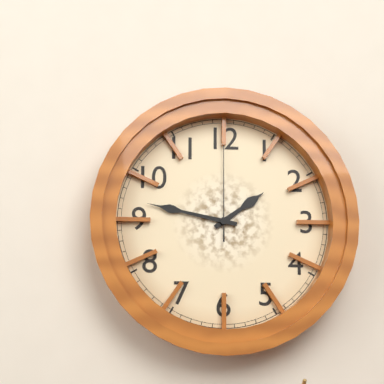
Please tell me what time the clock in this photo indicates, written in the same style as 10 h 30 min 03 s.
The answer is 1 h 47 min 00 s
